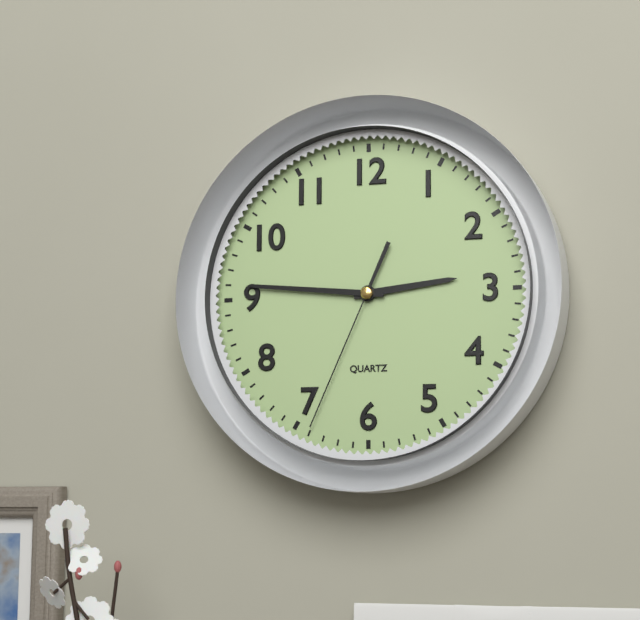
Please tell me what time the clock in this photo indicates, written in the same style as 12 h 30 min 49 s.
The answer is 2 h 46 min 34 s
